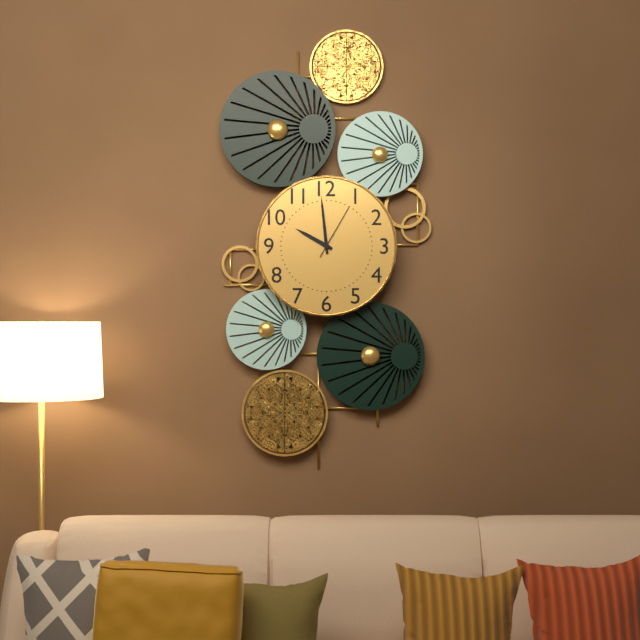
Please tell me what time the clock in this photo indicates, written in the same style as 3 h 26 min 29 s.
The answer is 9 h 59 min 05 s
